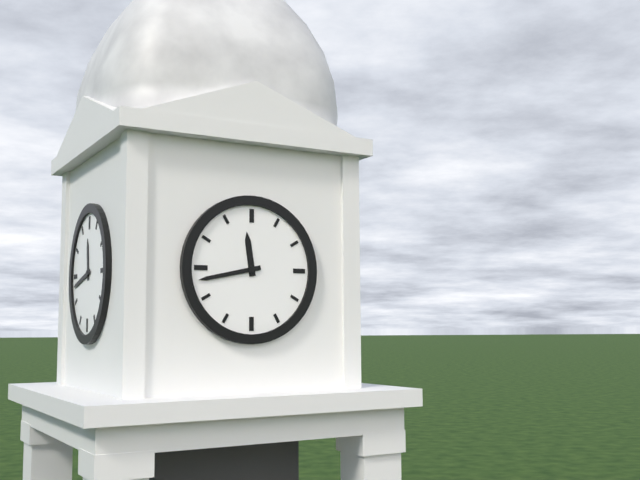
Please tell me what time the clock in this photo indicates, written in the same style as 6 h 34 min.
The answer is 11 h 43 min
